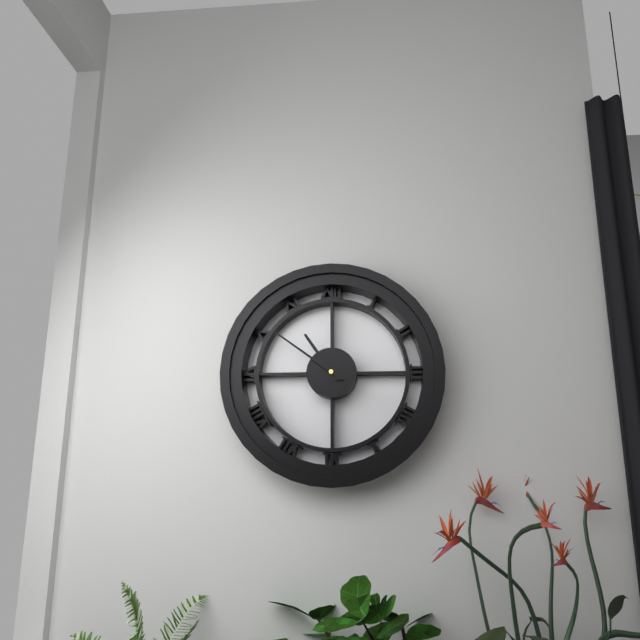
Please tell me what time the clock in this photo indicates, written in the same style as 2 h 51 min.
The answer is 10 h 51 min
